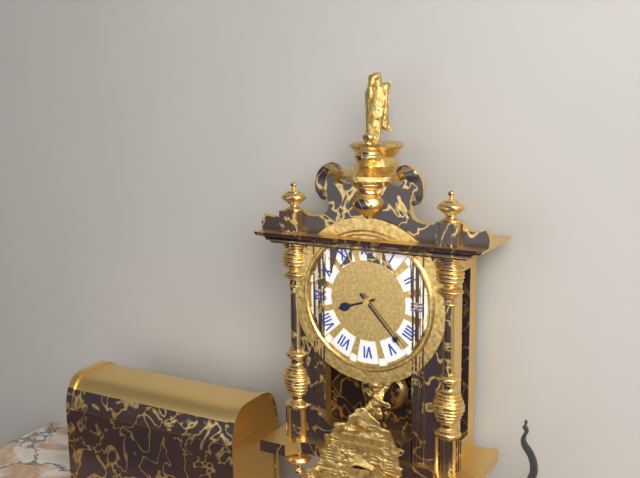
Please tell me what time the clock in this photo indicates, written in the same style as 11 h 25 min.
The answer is 8 h 23 min
